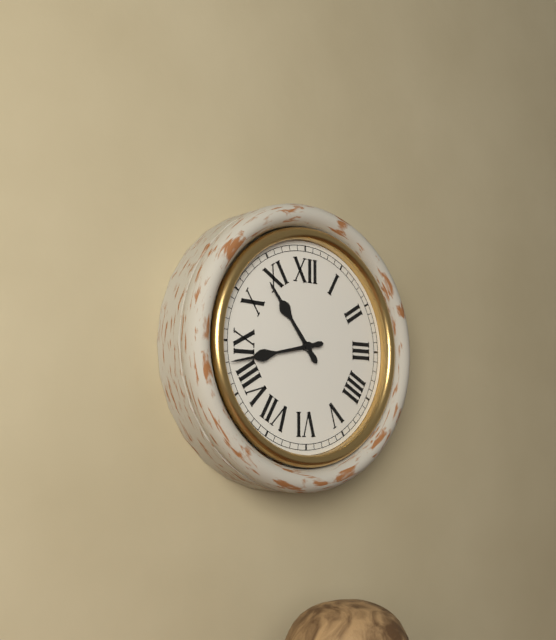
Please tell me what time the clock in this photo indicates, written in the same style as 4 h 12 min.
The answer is 10 h 43 min
